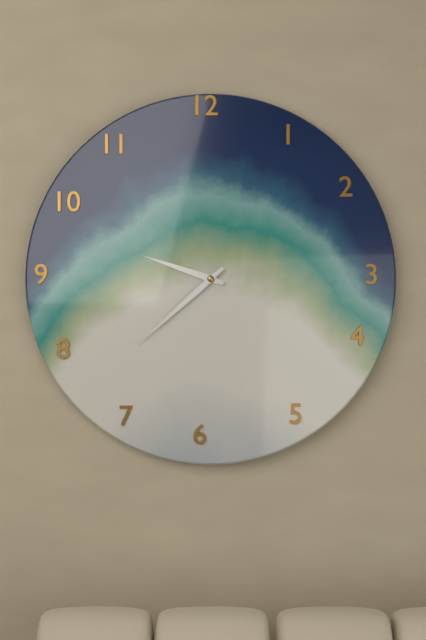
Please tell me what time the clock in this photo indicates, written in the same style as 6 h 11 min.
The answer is 9 h 38 min
